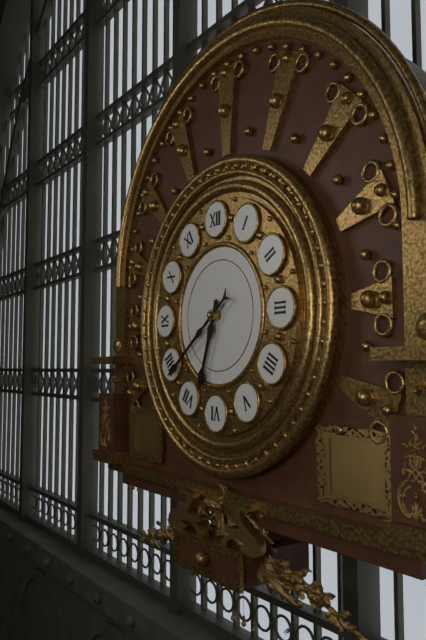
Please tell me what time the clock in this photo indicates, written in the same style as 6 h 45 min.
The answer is 6 h 39 min
